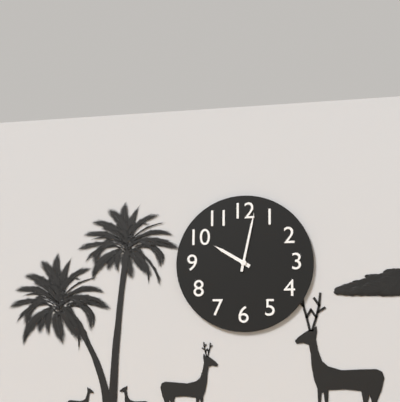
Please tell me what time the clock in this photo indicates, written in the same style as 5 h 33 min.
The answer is 10 h 02 min
